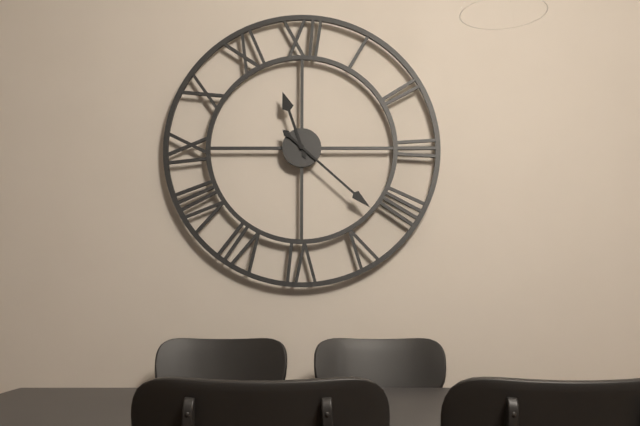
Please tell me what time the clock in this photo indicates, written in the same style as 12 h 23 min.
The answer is 11 h 22 min
